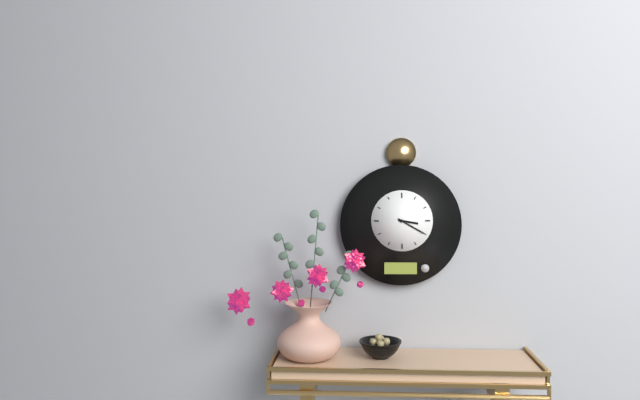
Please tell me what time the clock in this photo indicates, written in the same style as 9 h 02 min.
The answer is 3 h 20 min
